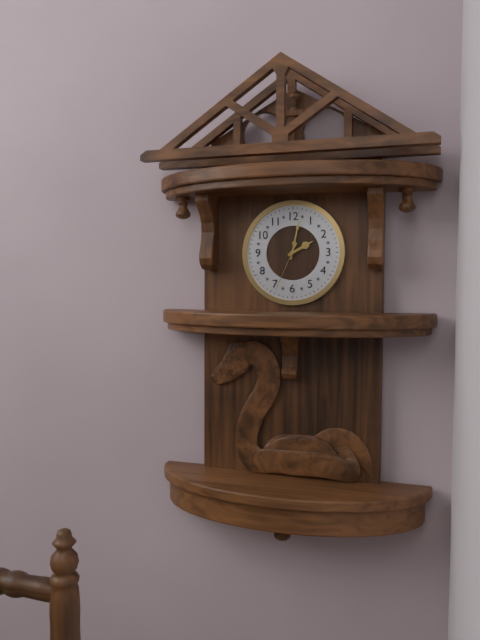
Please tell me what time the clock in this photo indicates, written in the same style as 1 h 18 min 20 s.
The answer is 2 h 02 min 34 s
